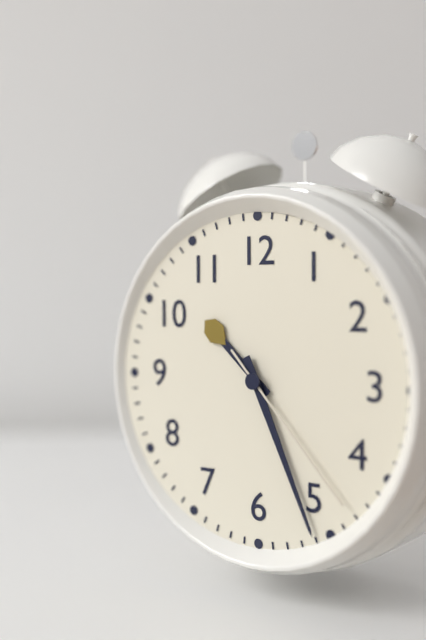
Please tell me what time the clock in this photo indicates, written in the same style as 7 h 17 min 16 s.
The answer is 10 h 26 min 23 s
